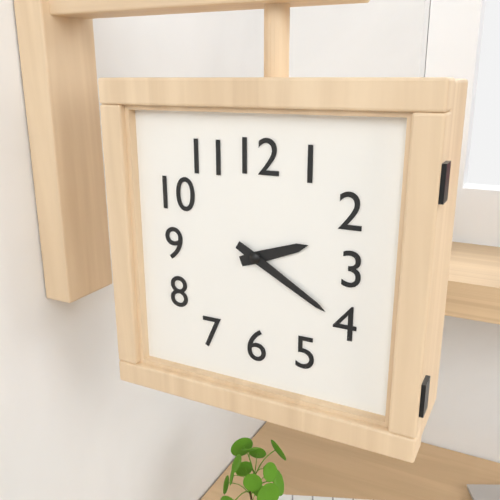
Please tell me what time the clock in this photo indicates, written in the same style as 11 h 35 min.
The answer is 2 h 20 min
